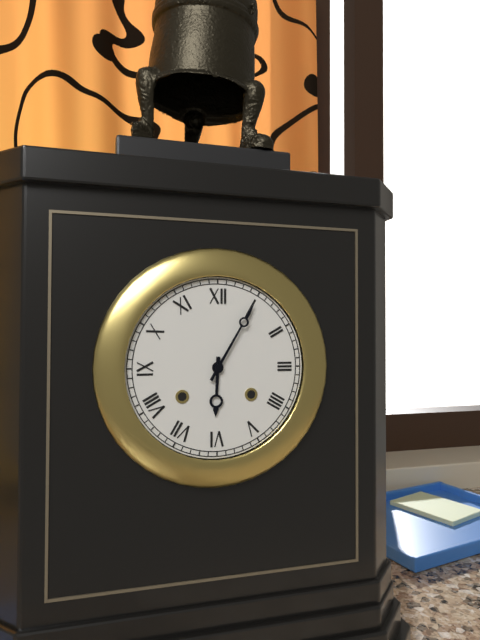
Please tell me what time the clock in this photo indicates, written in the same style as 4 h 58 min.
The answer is 6 h 05 min
